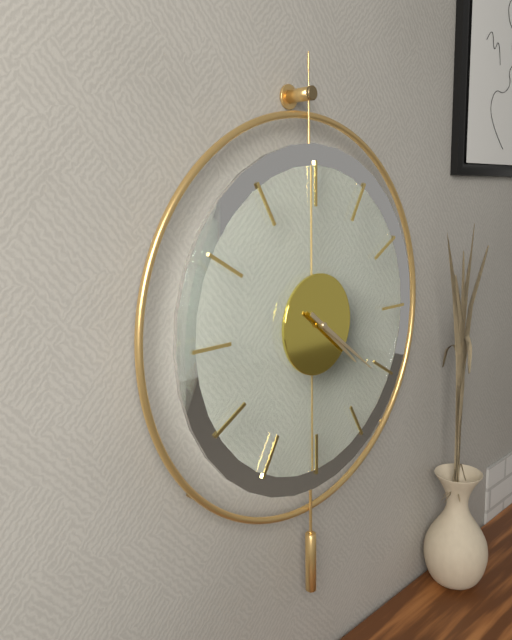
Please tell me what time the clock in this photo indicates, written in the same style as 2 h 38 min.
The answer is 4 h 21 min
